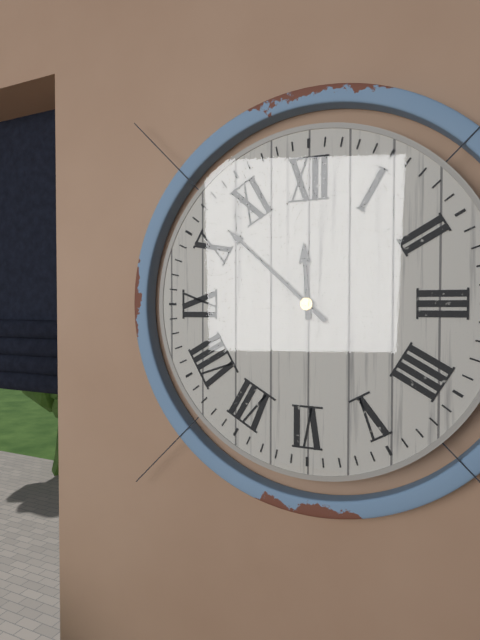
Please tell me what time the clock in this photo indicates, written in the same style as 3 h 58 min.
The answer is 11 h 52 min
